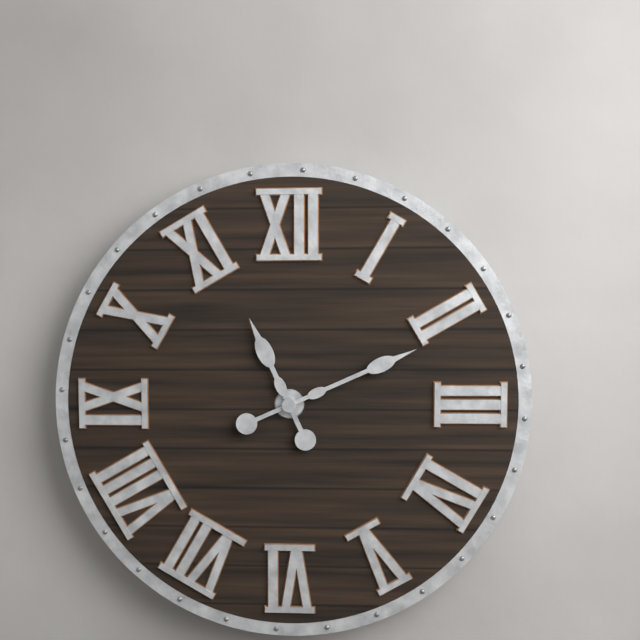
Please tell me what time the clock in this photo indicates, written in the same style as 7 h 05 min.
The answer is 11 h 11 min
